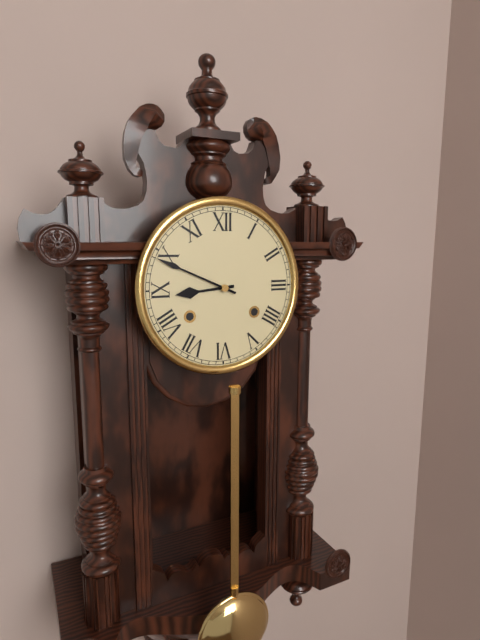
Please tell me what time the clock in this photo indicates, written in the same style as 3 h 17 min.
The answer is 8 h 49 min
